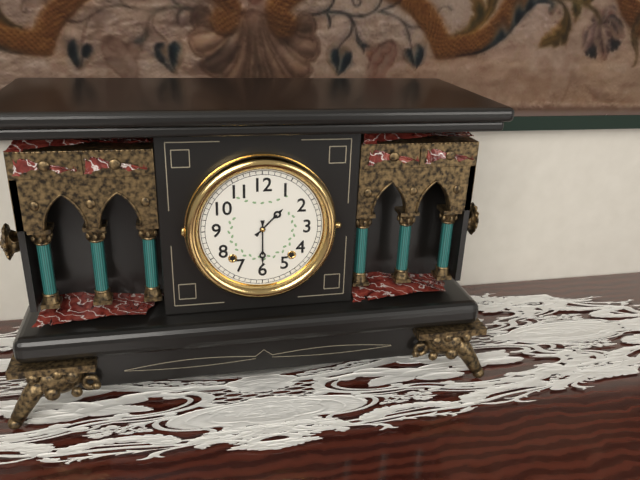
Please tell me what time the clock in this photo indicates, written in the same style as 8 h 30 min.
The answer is 1 h 30 min
